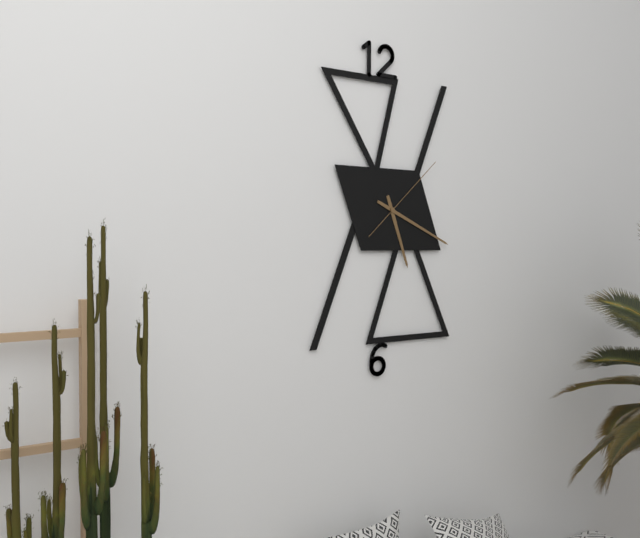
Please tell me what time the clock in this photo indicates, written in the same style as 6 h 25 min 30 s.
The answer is 5 h 19 min 08 s
